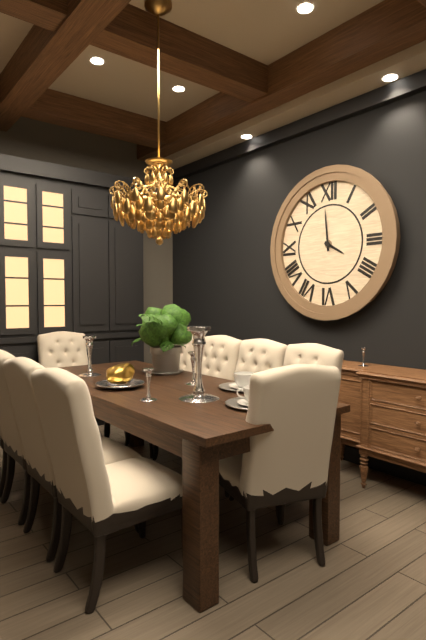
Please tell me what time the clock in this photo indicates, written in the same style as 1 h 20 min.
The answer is 3 h 59 min
